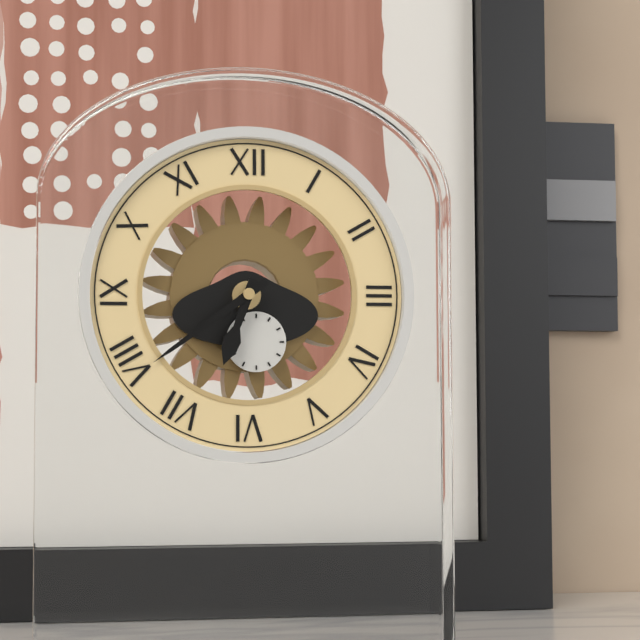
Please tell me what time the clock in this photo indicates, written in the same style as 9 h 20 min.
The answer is 6 h 39 min
